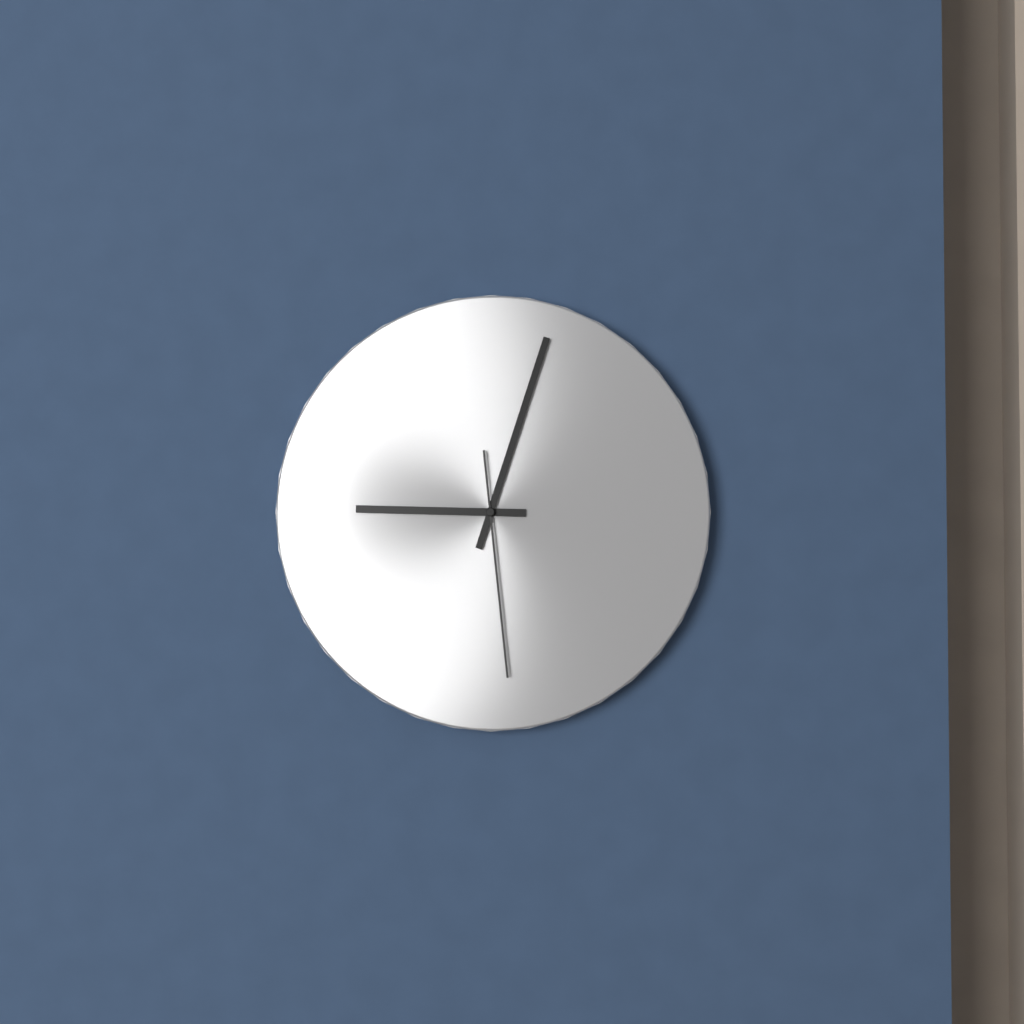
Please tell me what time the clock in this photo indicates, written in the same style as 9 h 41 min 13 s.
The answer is 9 h 03 min 29 s
